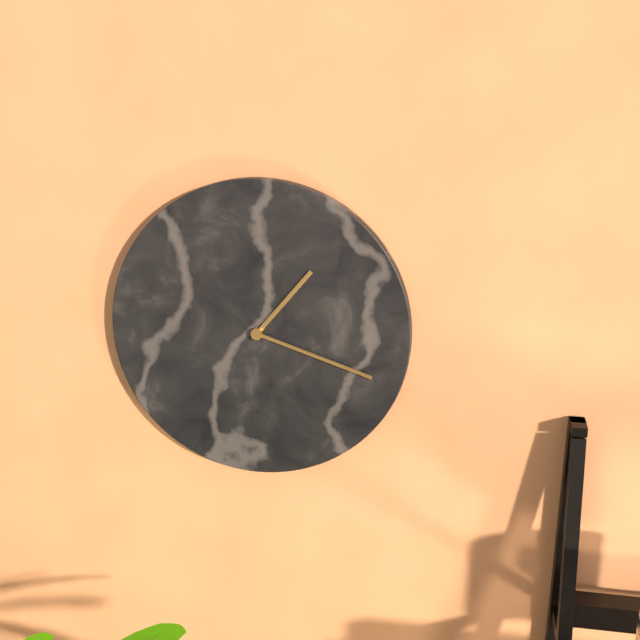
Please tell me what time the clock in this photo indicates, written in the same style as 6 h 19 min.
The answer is 1 h 18 min
